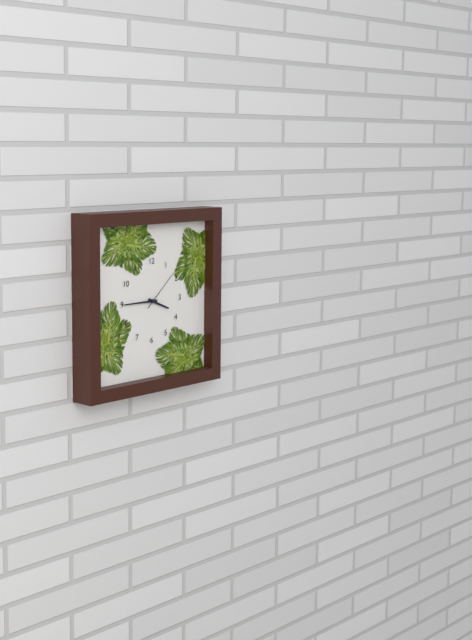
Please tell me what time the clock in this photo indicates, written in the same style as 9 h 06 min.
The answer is 3 h 45 min
